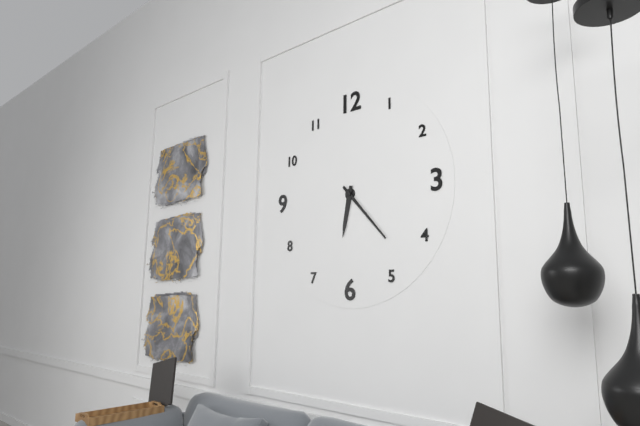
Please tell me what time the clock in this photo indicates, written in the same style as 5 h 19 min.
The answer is 6 h 23 min
